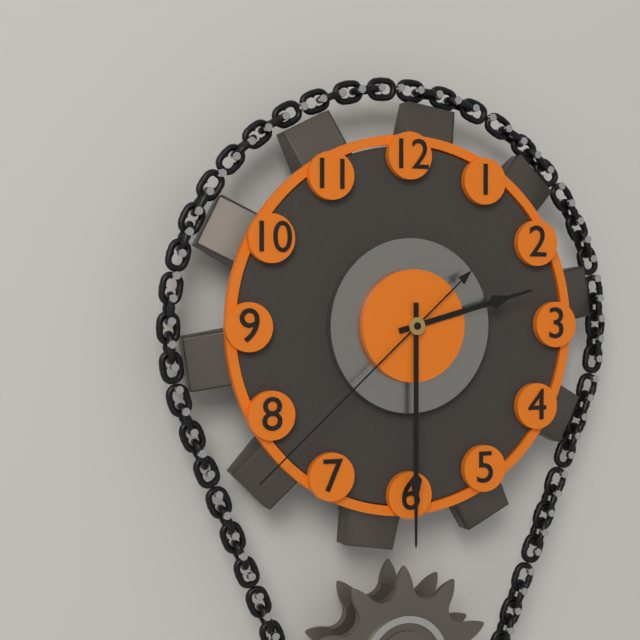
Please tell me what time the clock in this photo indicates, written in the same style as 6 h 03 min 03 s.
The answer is 2 h 30 min 38 s
